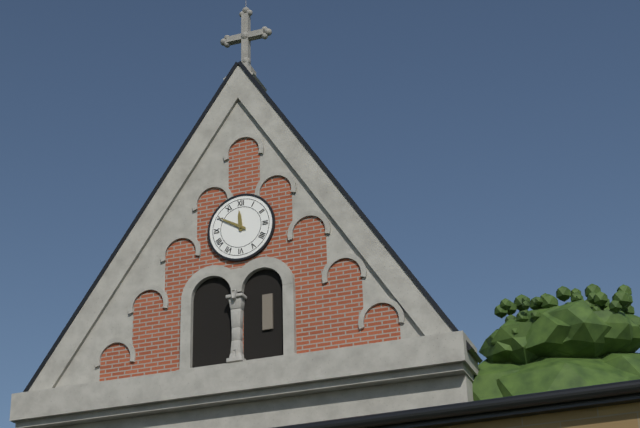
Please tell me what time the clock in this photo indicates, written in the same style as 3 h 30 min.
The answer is 11 h 50 min
